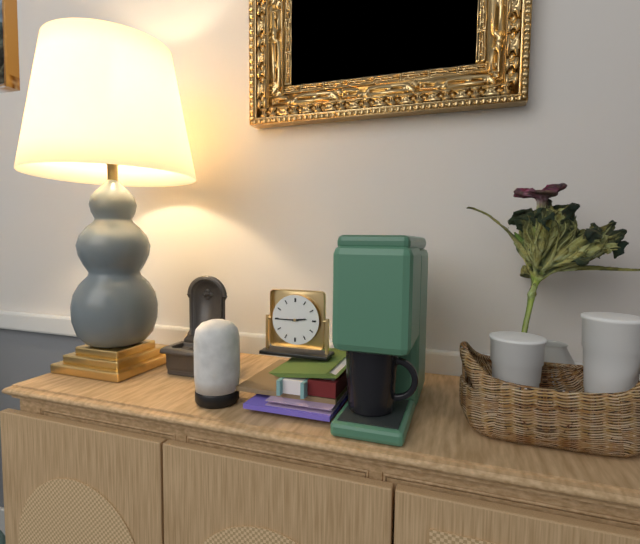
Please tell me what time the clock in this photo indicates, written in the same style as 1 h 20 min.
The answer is 2 h 45 min
